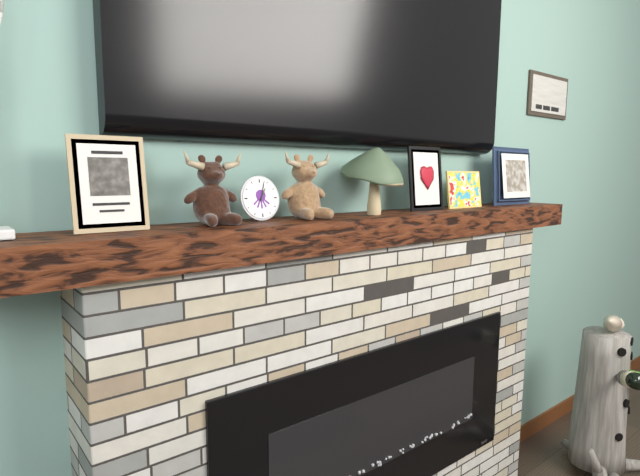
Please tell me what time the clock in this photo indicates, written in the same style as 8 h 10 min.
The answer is 1 h 03 min
